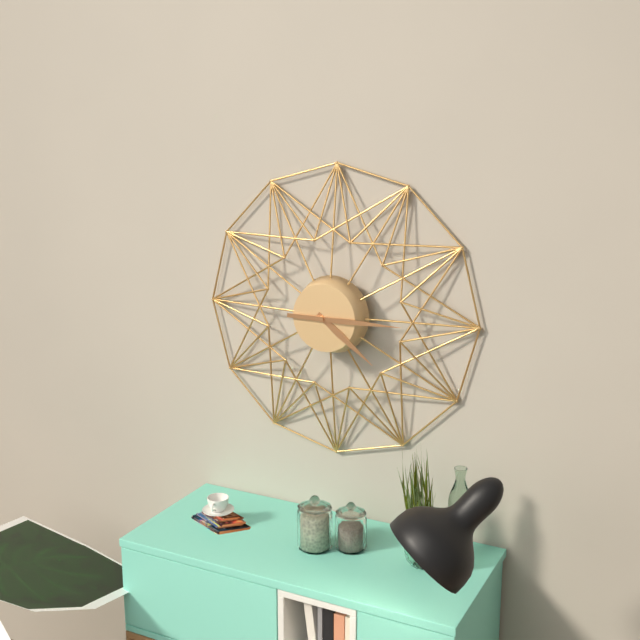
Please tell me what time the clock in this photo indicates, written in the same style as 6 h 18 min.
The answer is 4 h 15 min
